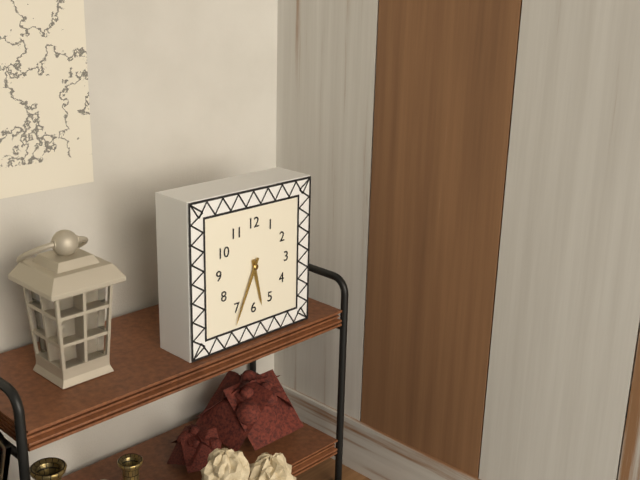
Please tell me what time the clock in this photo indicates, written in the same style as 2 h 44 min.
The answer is 5 h 34 min
